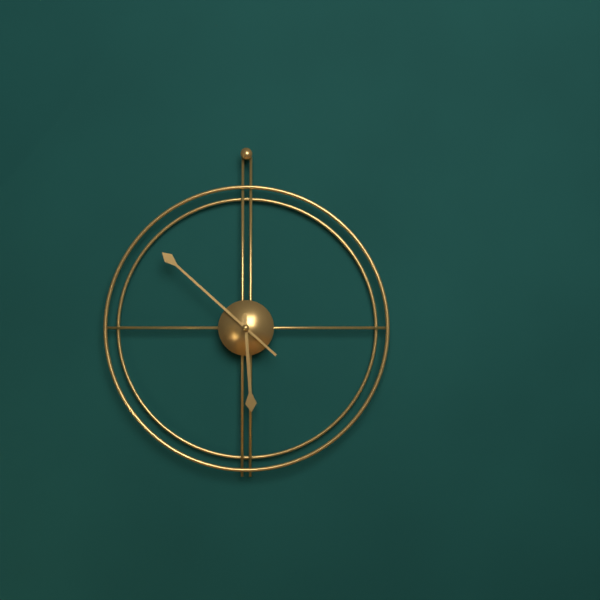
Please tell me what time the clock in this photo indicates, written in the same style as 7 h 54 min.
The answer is 5 h 52 min
